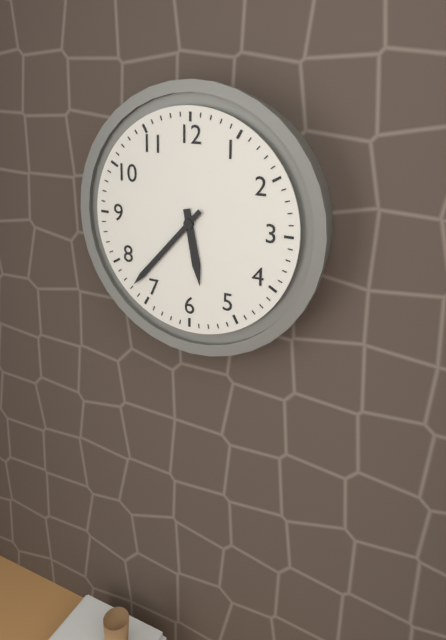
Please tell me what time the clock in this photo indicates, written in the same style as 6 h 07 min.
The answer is 5 h 37 min
